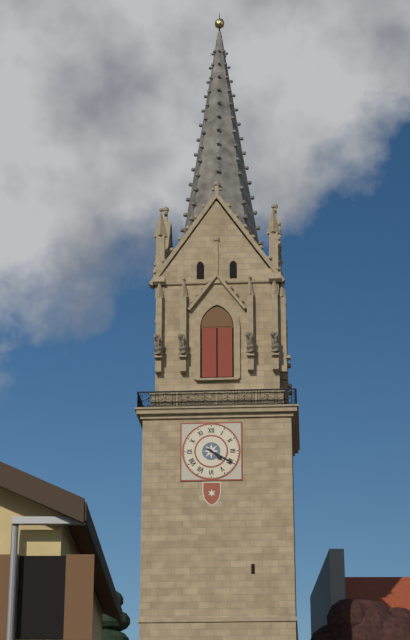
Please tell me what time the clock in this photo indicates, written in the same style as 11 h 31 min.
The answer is 4 h 20 min
